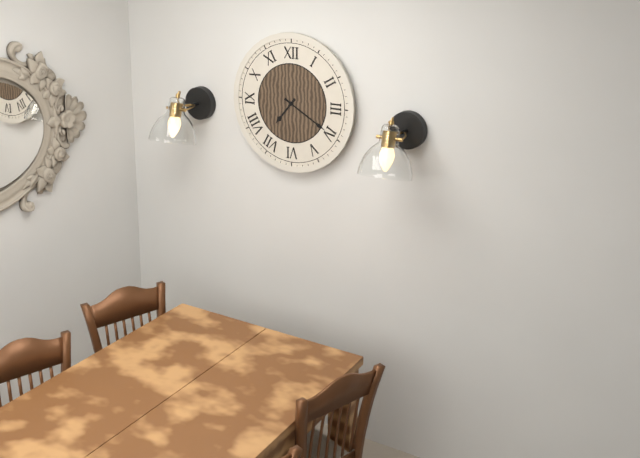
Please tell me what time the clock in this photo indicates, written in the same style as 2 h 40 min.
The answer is 7 h 20 min
